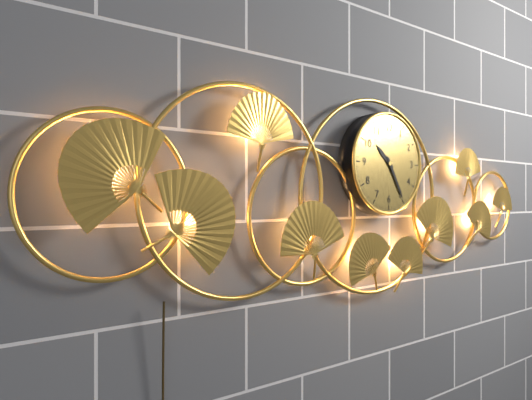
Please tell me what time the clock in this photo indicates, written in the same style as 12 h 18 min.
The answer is 10 h 25 min
